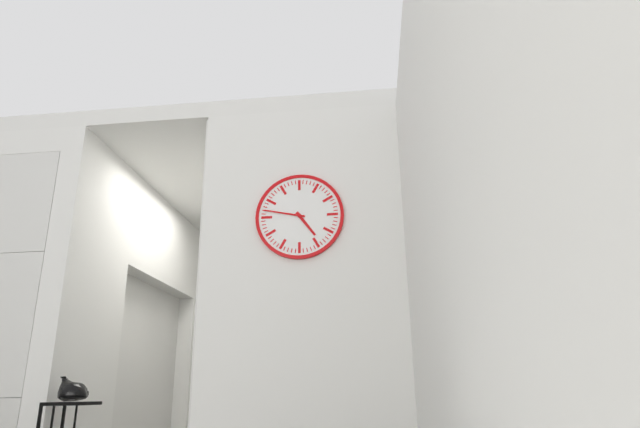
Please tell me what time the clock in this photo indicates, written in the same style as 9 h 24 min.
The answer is 4 h 47 min
